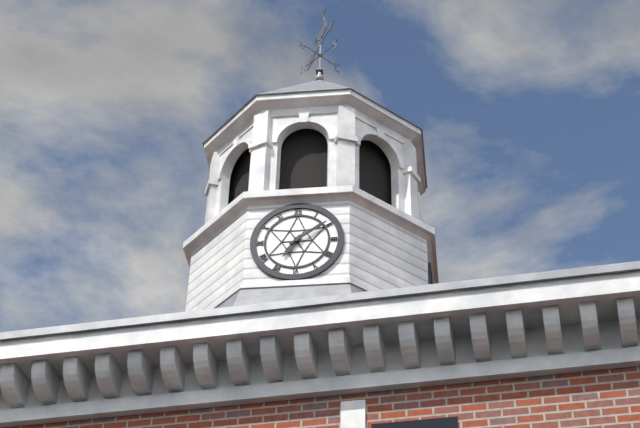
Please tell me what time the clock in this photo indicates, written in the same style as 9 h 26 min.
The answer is 7 h 09 min
